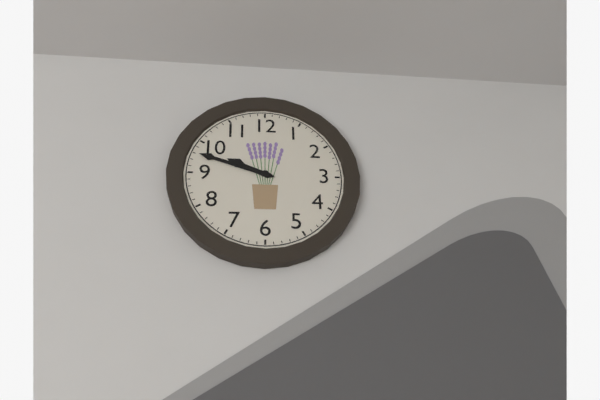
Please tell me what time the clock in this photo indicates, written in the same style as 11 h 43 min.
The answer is 9 h 48 min
